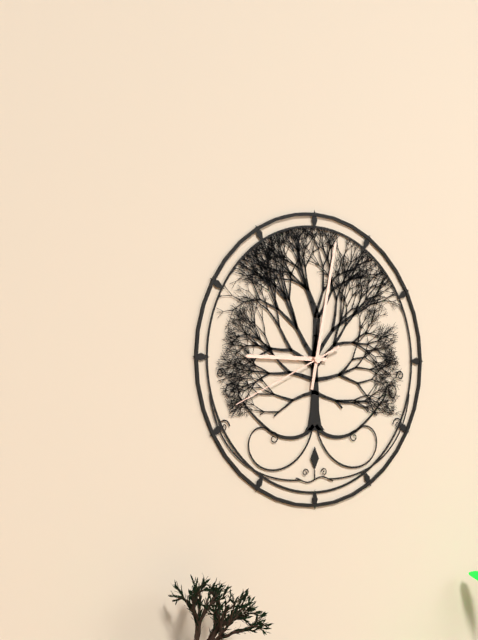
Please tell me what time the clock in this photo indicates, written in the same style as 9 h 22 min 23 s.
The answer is 9 h 02 min 41 s
